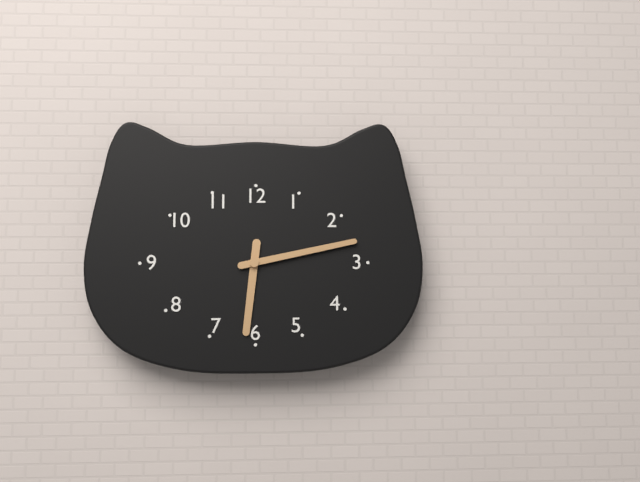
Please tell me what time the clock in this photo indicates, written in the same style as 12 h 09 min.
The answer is 6 h 13 min
